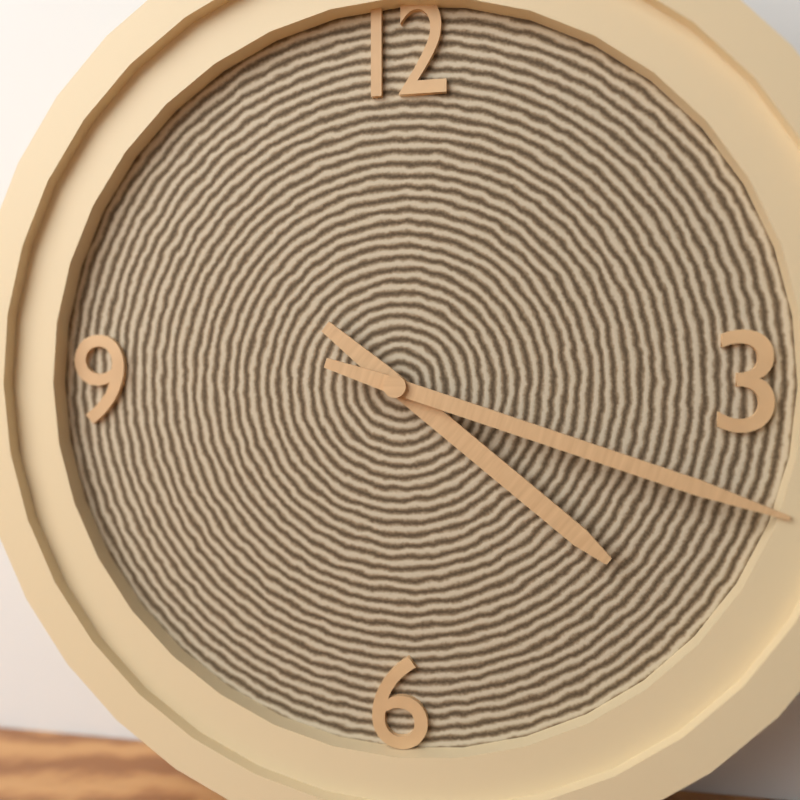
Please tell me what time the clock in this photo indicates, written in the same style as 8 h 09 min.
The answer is 4 h 18 min
